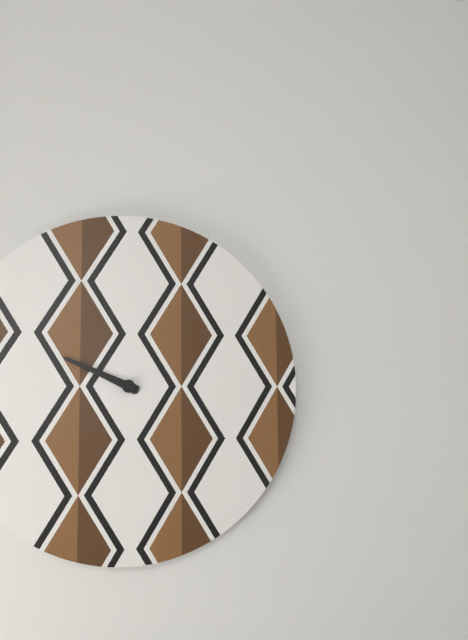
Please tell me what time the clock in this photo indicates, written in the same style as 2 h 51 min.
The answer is 9 h 49 min
